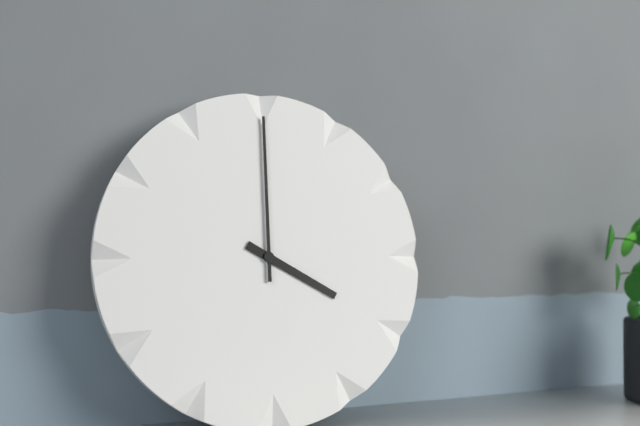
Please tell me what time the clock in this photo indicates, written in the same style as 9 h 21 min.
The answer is 4 h 00 min
